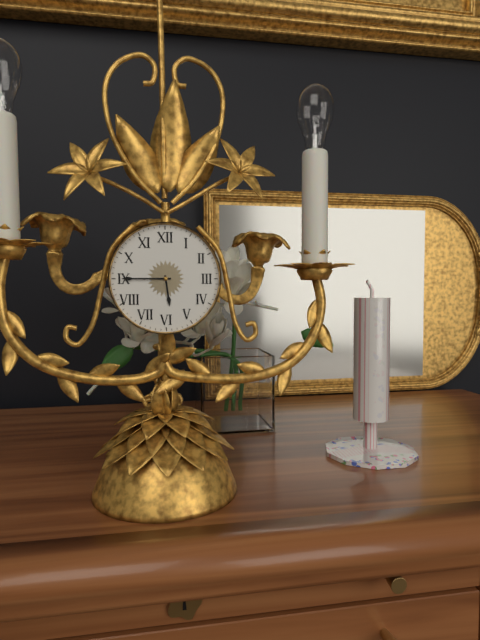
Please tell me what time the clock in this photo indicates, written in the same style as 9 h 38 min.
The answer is 5 h 45 min
